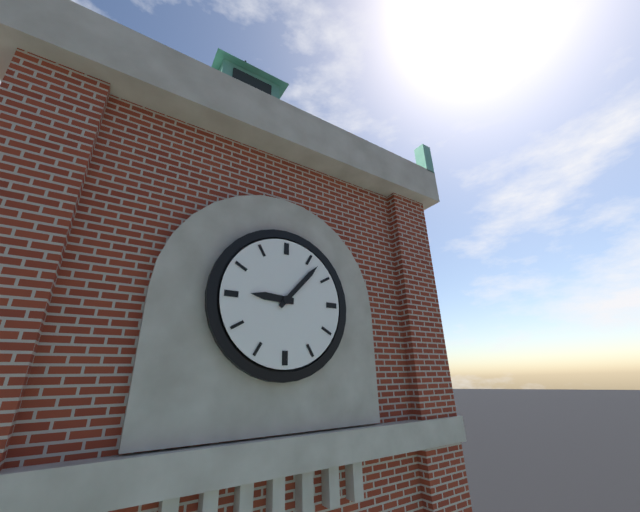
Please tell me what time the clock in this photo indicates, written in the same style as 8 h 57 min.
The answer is 9 h 07 min
